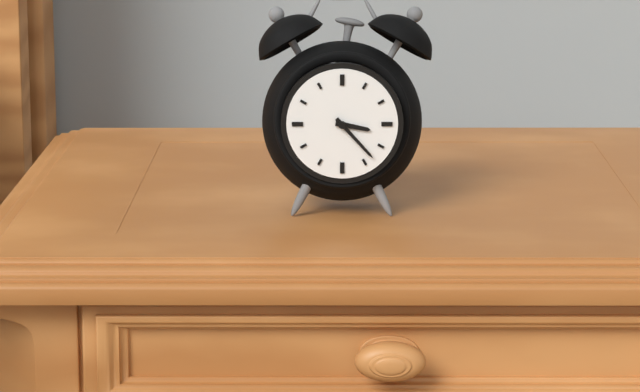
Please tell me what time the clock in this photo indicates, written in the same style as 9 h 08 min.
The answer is 3 h 23 min
